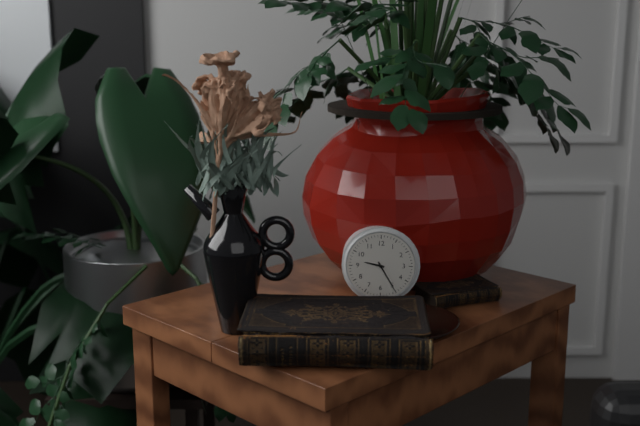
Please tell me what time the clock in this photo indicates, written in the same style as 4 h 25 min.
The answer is 9 h 25 min
